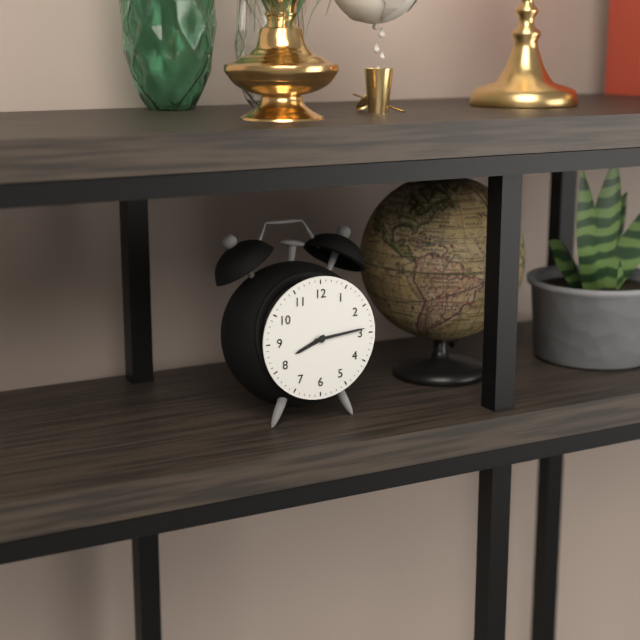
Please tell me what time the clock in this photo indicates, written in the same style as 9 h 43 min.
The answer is 8 h 14 min
